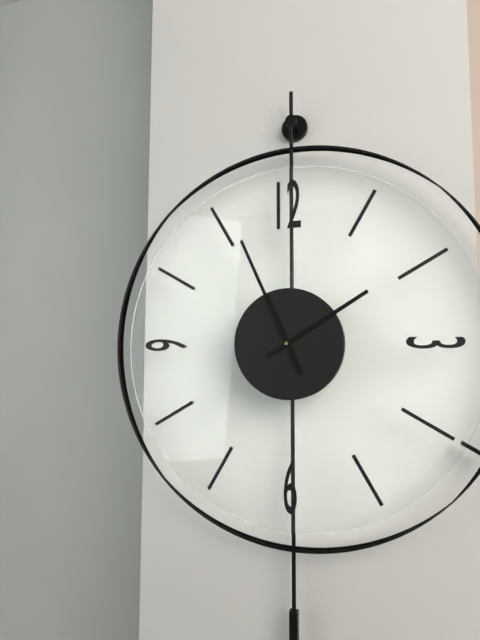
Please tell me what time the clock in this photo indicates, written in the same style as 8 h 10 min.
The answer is 1 h 56 min
